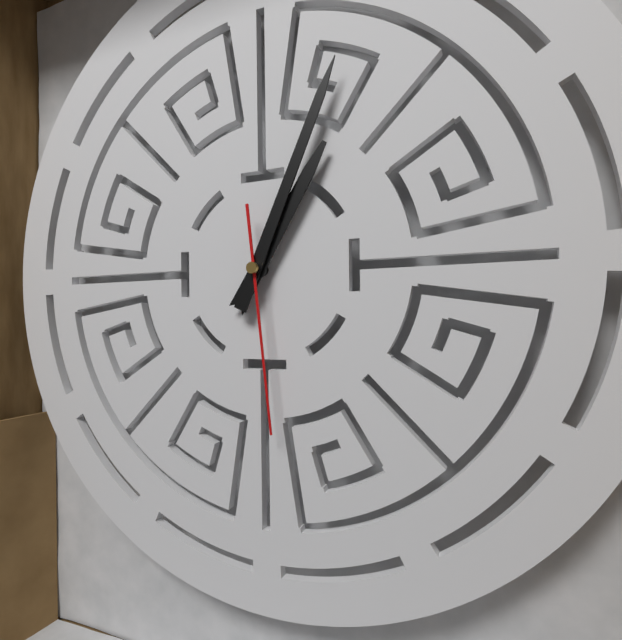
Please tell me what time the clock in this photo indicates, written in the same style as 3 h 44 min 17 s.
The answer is 1 h 04 min 29 s
